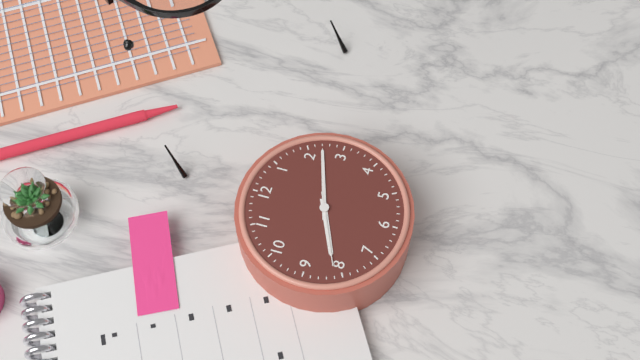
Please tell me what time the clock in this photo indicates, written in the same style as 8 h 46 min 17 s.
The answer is 8 h 12 min 41 s
